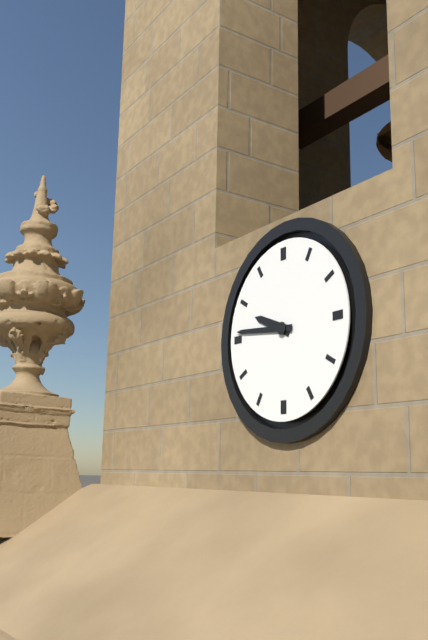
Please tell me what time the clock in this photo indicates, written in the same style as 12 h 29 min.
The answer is 9 h 46 min
